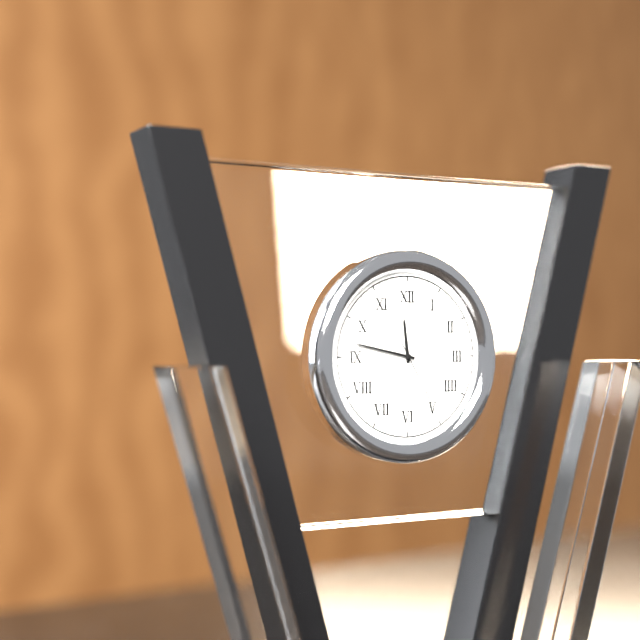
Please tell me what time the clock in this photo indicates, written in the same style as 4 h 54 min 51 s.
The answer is 11 h 47 min 25 s
